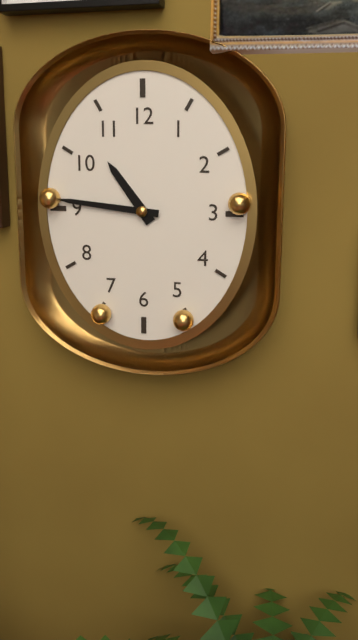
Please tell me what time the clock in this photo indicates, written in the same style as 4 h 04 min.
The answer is 10 h 46 min
